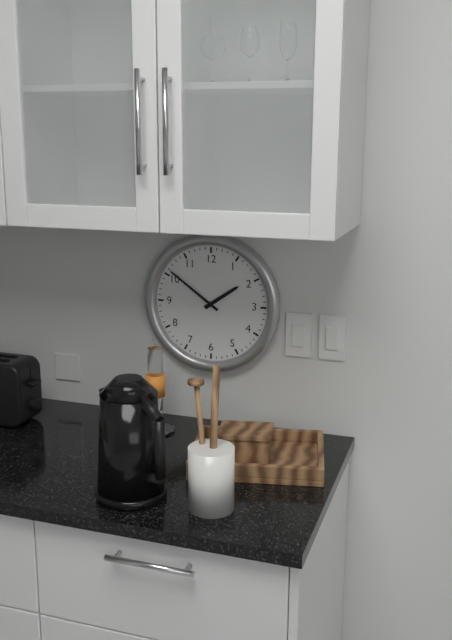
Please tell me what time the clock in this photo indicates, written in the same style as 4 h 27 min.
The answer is 1 h 51 min
